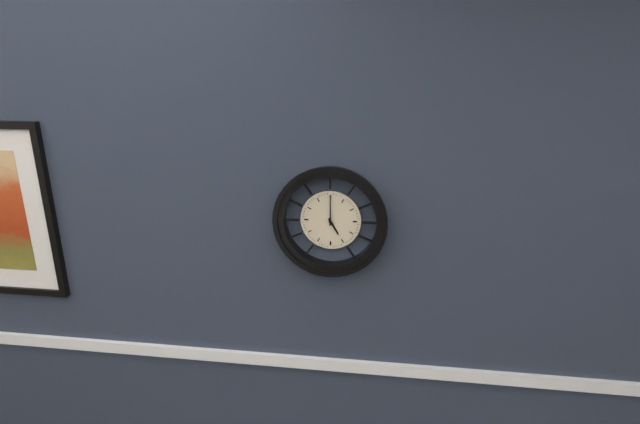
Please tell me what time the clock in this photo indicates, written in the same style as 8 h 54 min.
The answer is 5 h 00 min
